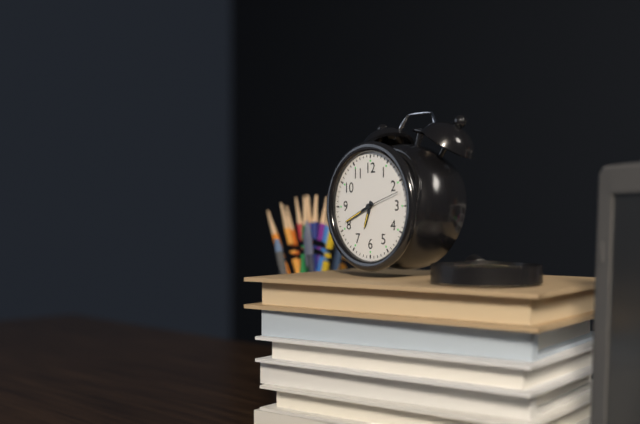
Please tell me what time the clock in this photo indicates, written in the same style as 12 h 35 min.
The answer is 6 h 41 min
